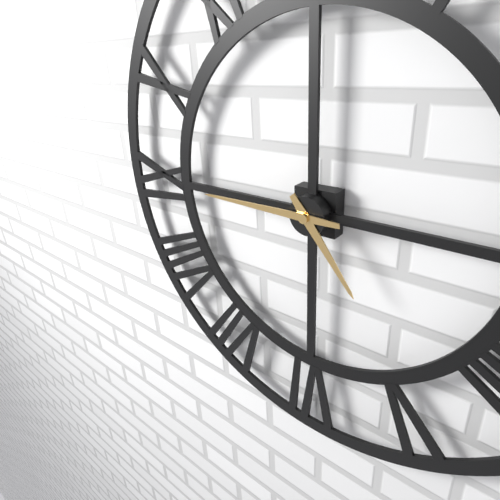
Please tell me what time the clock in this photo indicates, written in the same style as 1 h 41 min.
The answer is 4 h 45 min
